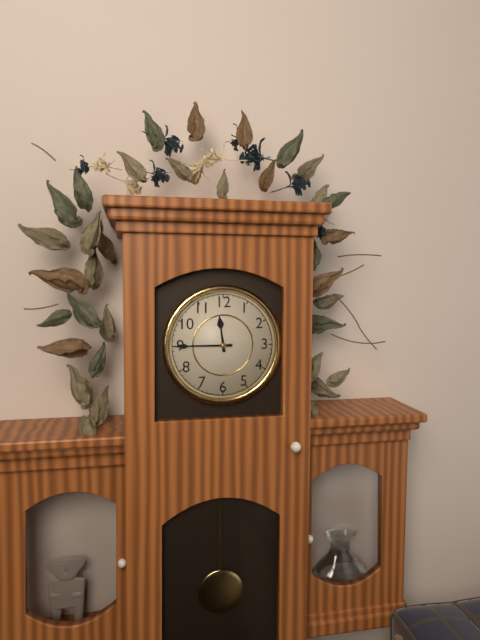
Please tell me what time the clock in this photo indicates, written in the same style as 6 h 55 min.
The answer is 11 h 45 min
